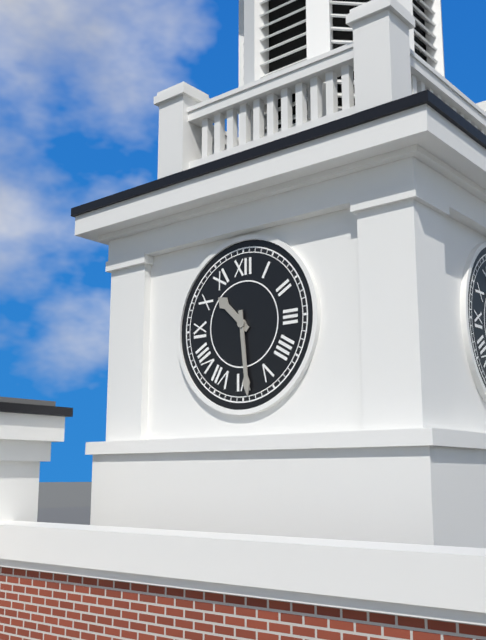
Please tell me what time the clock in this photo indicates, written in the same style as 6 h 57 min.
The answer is 10 h 29 min
